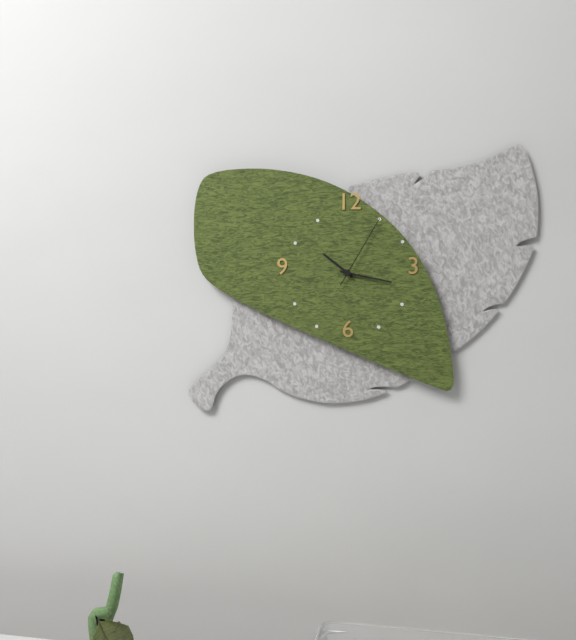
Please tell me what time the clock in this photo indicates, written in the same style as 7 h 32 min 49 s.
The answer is 10 h 17 min 05 s
